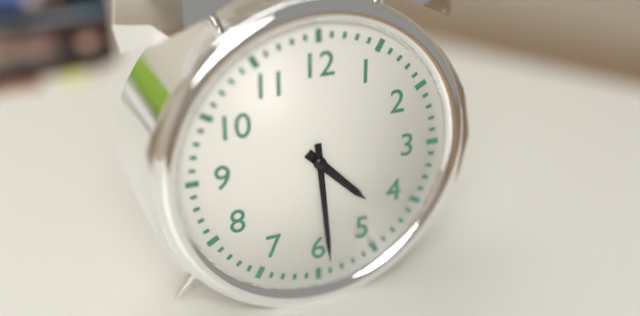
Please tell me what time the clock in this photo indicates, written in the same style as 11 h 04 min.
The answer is 4 h 29 min
